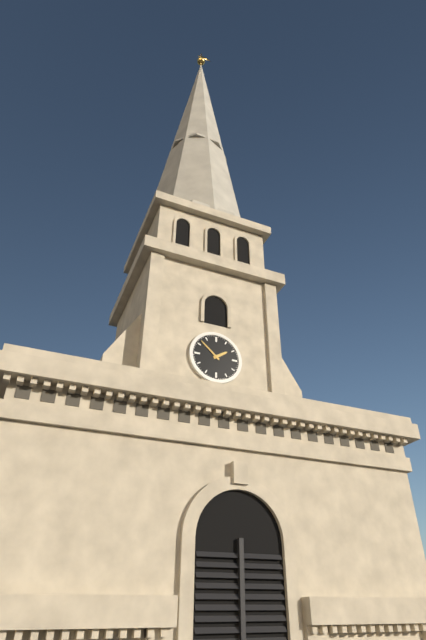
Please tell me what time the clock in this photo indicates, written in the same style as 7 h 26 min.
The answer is 1 h 52 min
